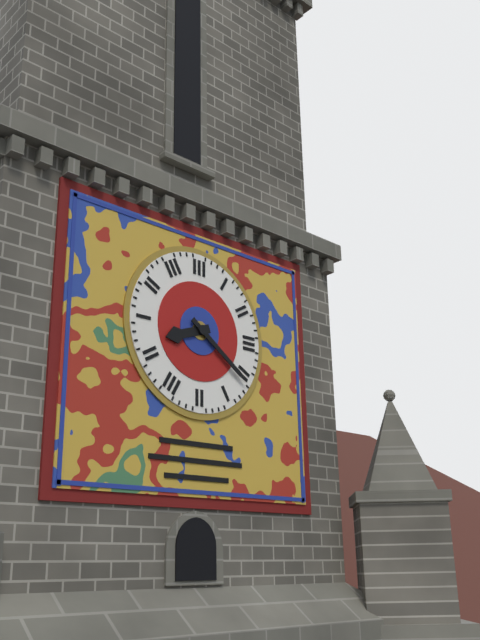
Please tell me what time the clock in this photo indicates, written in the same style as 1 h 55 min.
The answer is 8 h 21 min
